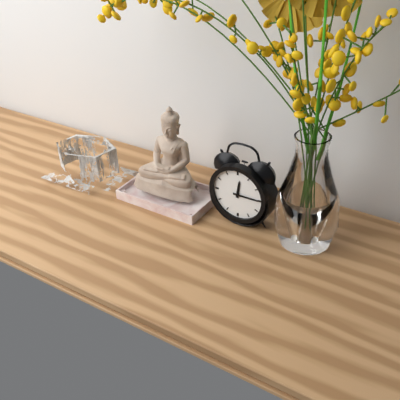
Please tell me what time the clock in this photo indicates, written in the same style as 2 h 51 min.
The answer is 12 h 15 min
